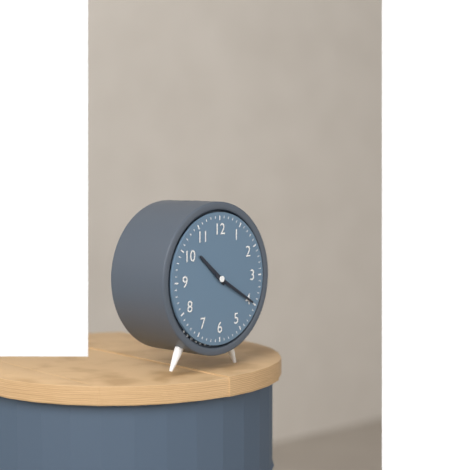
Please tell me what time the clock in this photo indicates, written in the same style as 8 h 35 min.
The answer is 10 h 20 min
